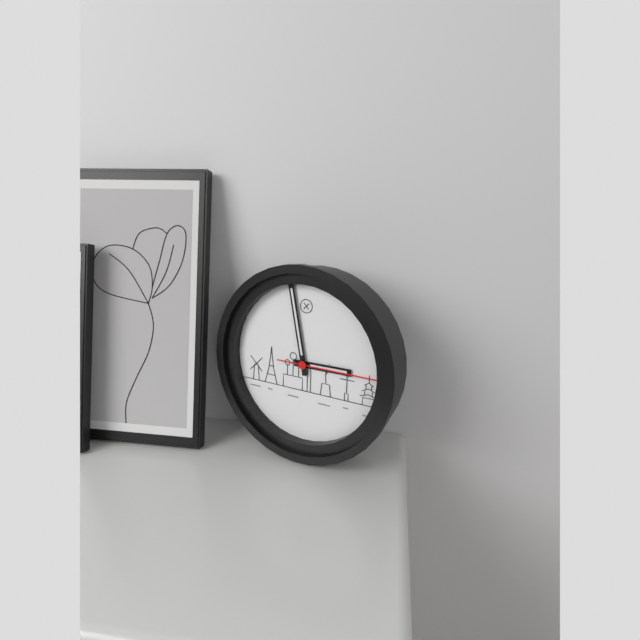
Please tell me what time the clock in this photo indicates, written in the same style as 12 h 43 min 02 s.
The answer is 2 h 58 min 15 s
